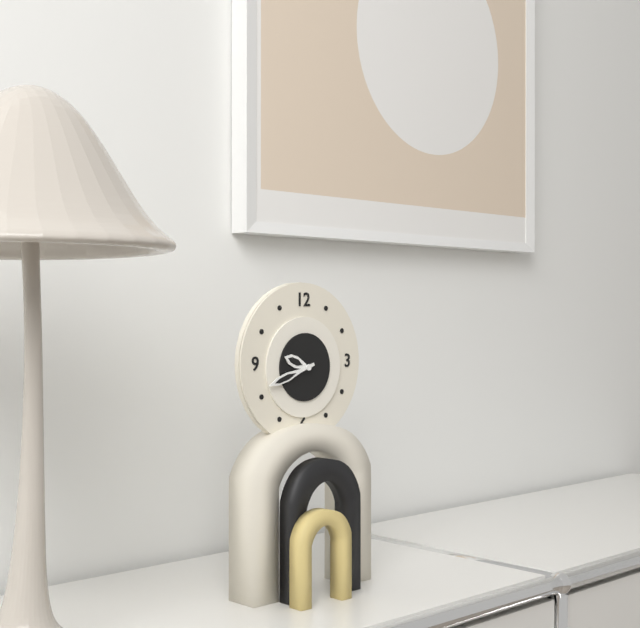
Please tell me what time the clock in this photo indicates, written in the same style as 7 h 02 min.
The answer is 9 h 42 min
